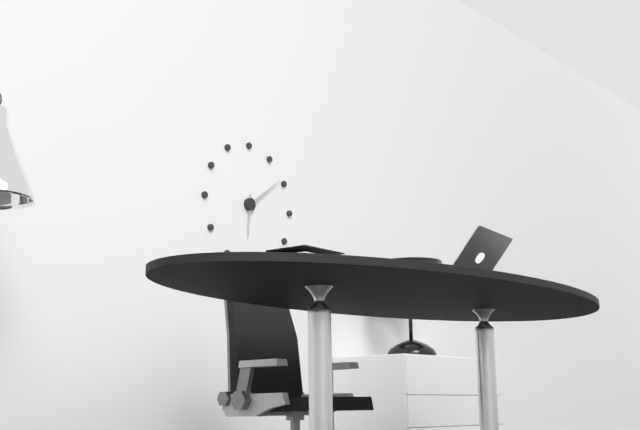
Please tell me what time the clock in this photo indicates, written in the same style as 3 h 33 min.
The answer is 6 h 09 min
